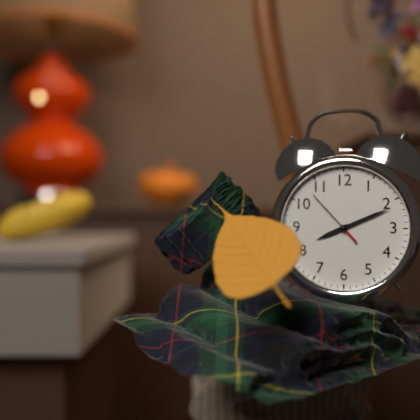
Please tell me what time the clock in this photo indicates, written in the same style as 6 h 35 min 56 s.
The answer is 8 h 11 min 53 s
